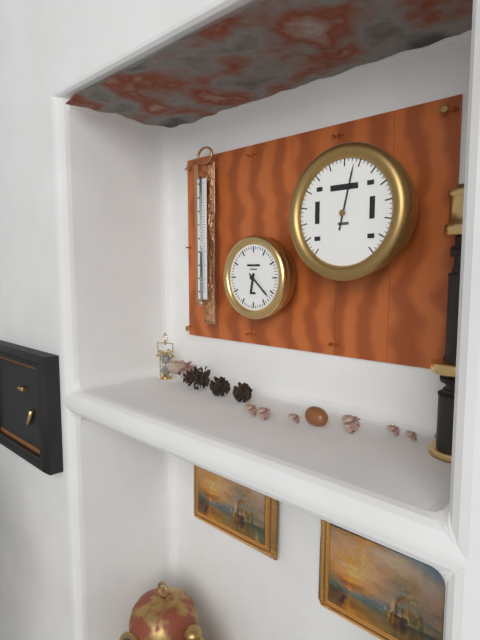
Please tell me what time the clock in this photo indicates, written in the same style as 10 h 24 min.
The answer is 6 h 22 min
